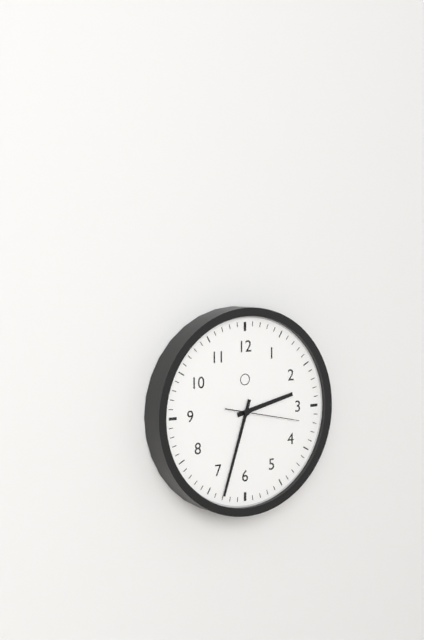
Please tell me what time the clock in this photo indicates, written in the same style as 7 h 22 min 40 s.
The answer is 2 h 33 min 17 s
